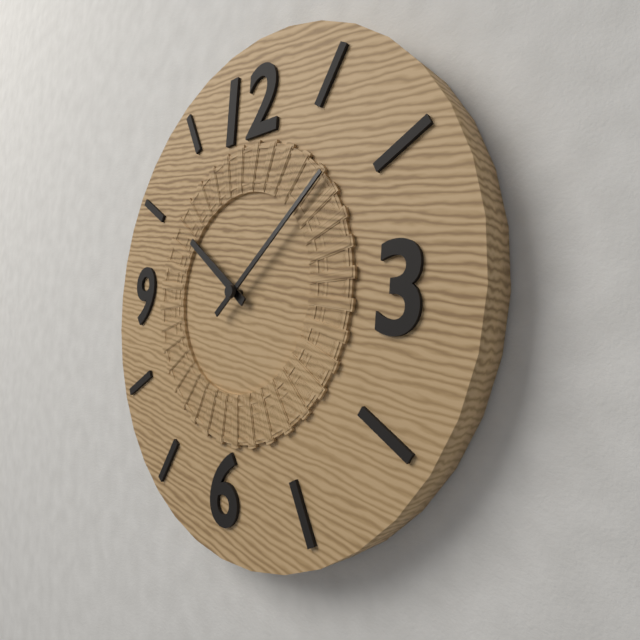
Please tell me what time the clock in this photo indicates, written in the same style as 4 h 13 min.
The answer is 10 h 08 min
